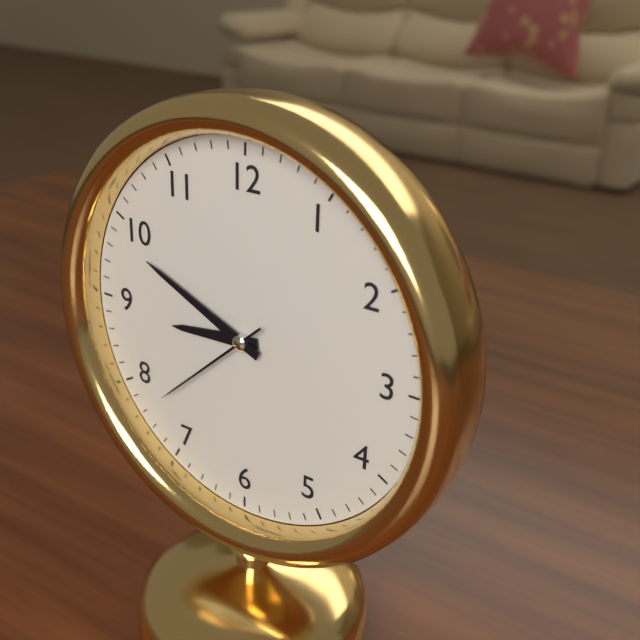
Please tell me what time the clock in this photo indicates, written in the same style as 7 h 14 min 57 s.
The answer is 8 h 49 min 38 s
